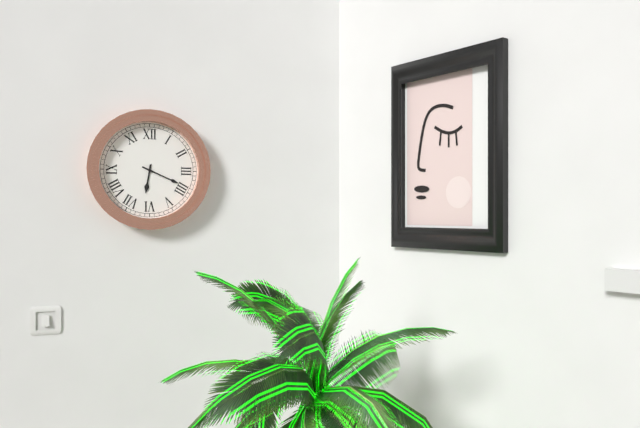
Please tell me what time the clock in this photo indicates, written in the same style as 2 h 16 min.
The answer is 6 h 19 min
